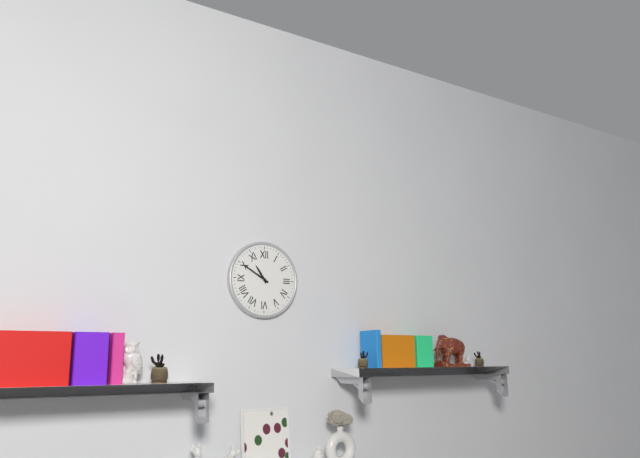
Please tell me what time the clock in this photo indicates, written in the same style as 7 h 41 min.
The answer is 10 h 50 min
